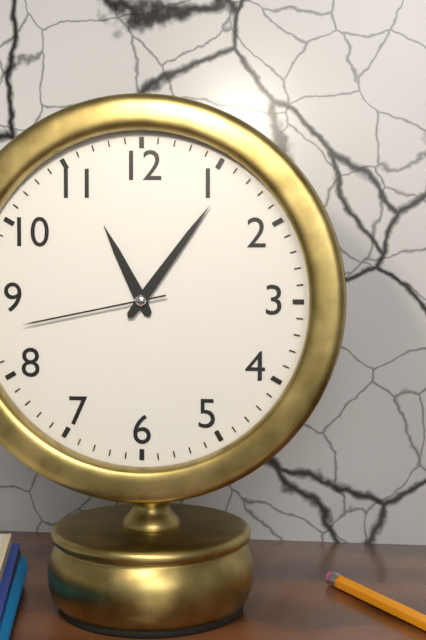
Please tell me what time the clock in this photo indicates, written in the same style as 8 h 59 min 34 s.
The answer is 11 h 06 min 43 s
